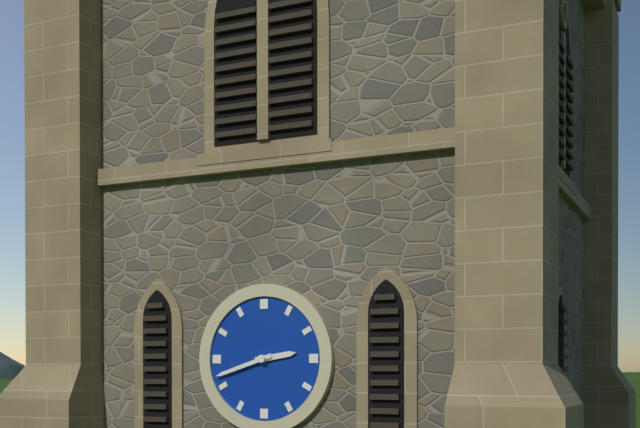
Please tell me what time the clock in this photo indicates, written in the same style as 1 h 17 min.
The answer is 2 h 42 min
